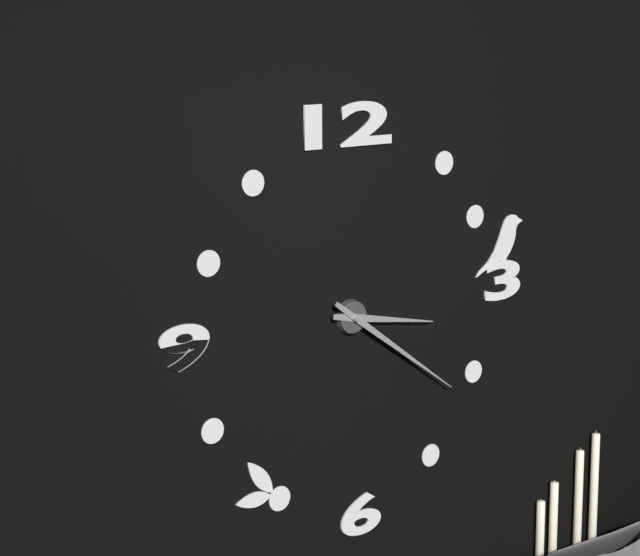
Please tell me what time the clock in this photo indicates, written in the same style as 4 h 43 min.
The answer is 3 h 21 min
